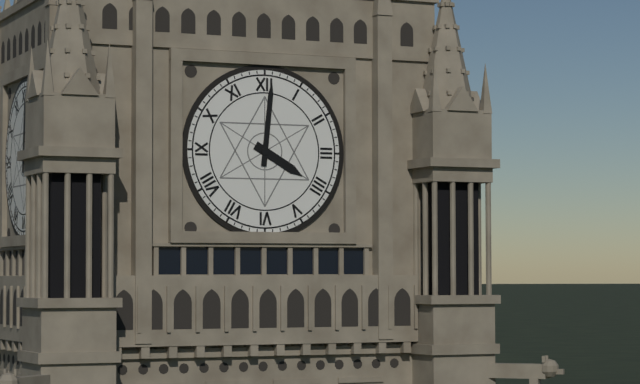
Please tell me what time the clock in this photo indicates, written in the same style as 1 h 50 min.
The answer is 4 h 01 min
